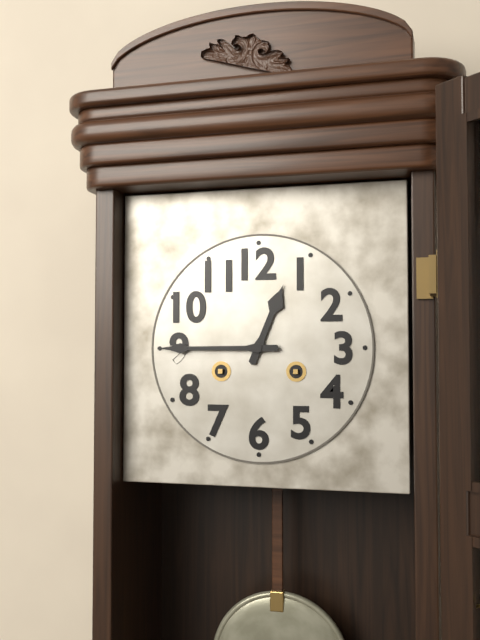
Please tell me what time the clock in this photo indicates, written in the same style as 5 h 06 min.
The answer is 12 h 45 min
